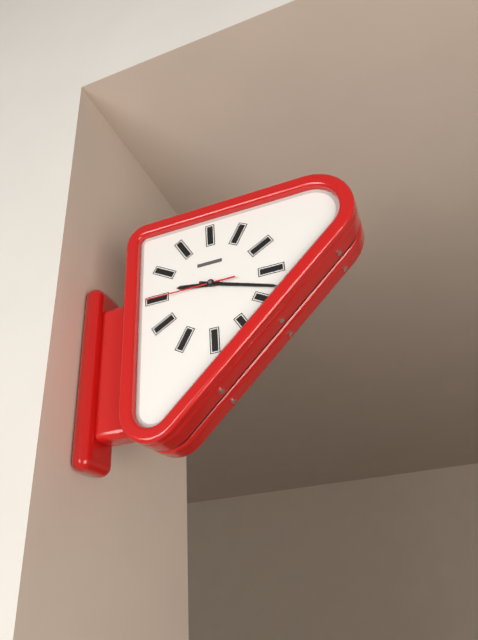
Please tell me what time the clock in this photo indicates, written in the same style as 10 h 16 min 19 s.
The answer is 9 h 18 min 45 s
